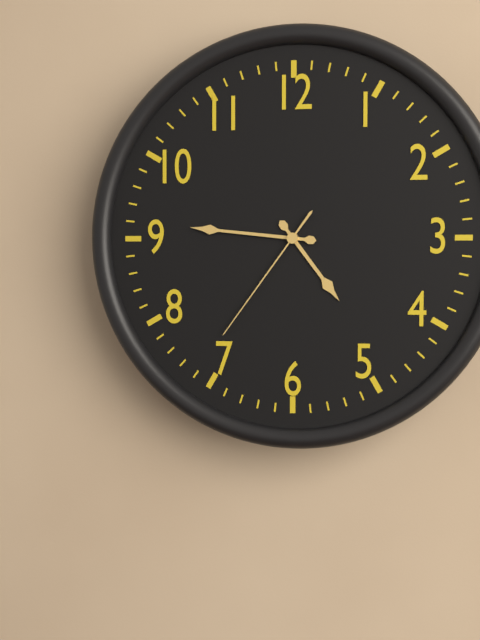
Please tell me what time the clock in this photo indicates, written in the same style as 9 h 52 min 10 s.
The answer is 4 h 46 min 36 s
